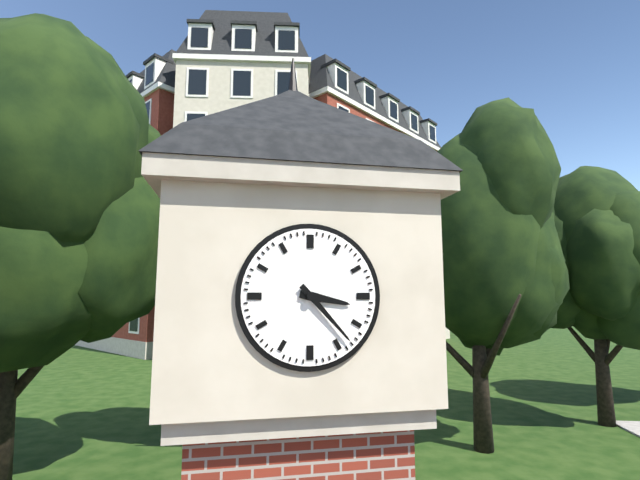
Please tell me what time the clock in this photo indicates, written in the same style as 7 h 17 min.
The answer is 3 h 23 min
